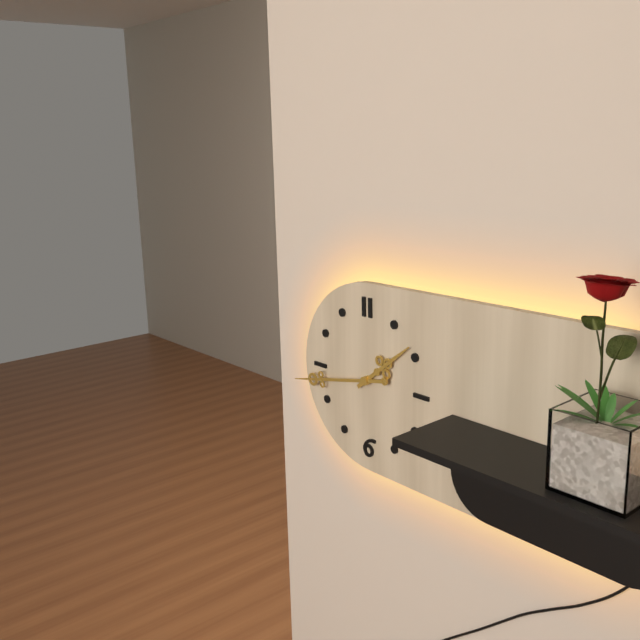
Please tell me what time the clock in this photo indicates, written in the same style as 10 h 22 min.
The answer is 1 h 43 min
